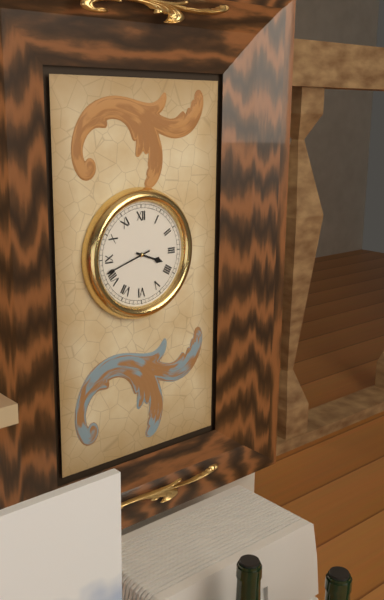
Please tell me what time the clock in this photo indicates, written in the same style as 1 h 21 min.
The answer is 3 h 42 min
